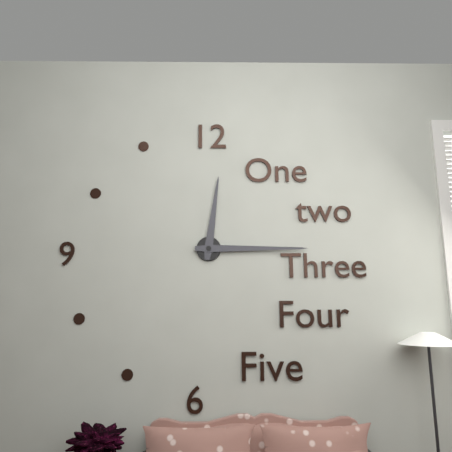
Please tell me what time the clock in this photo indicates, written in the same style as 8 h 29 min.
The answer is 12 h 15 min
